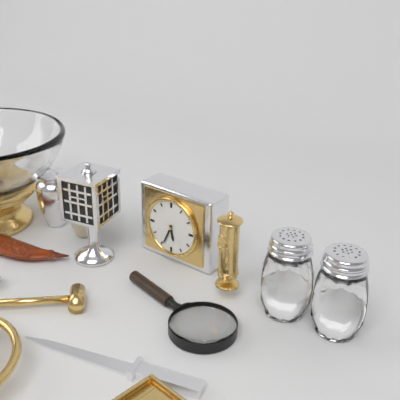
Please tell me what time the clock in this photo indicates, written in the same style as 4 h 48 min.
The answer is 5 h 34 min
